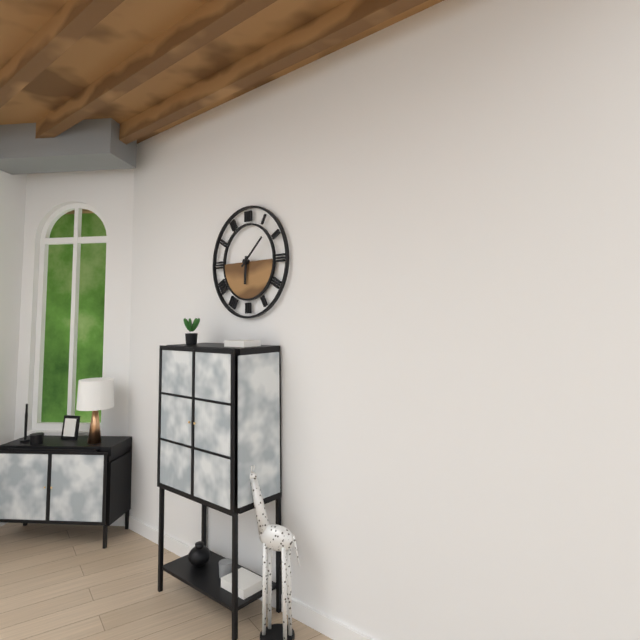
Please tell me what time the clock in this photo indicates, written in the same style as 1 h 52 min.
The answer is 6 h 08 min
